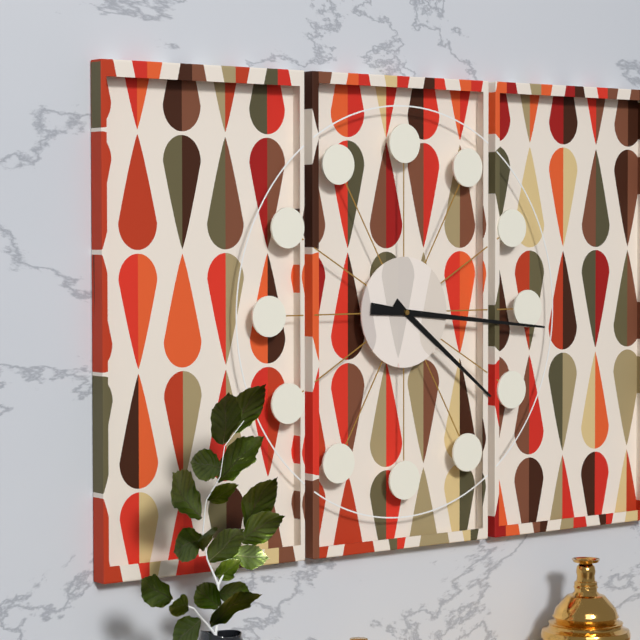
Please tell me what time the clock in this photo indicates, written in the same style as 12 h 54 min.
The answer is 4 h 16 min
